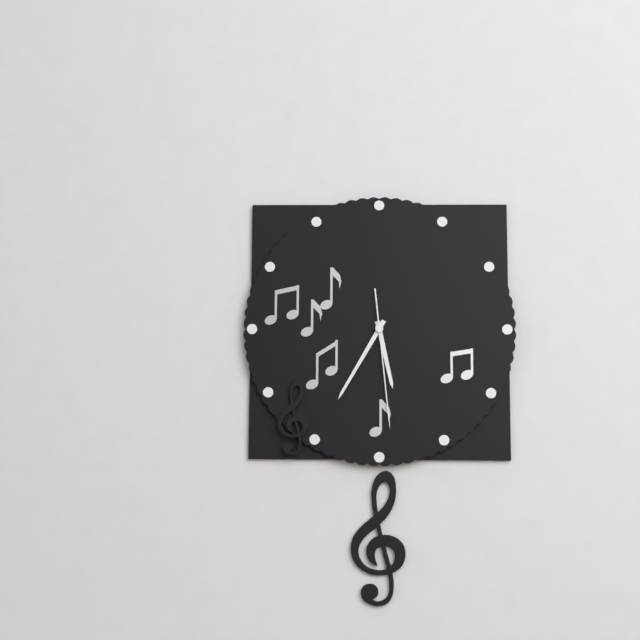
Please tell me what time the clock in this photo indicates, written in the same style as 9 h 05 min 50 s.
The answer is 5 h 35 min 29 s
